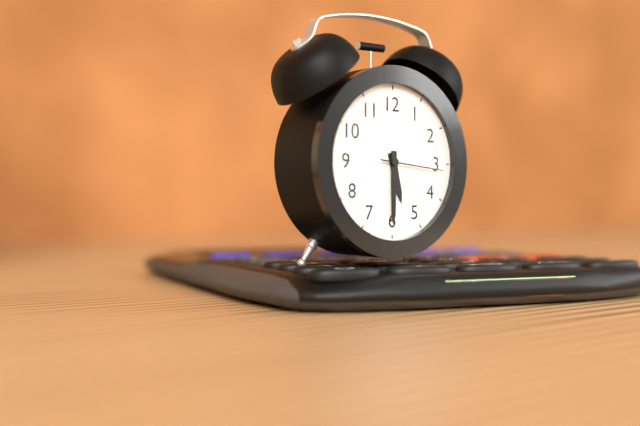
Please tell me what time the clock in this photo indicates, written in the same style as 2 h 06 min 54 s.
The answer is 5 h 30 min 16 s
